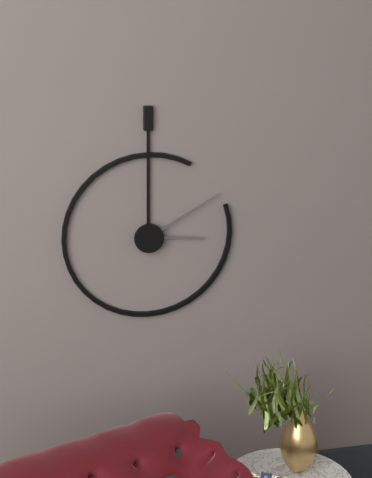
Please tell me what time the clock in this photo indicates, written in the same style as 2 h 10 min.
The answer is 3 h 10 min
